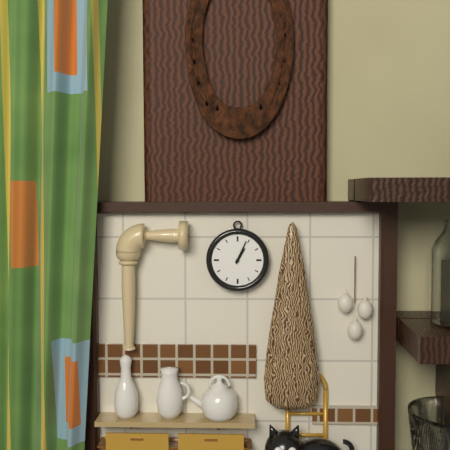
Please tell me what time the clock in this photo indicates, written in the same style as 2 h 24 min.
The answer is 1 h 04 min
